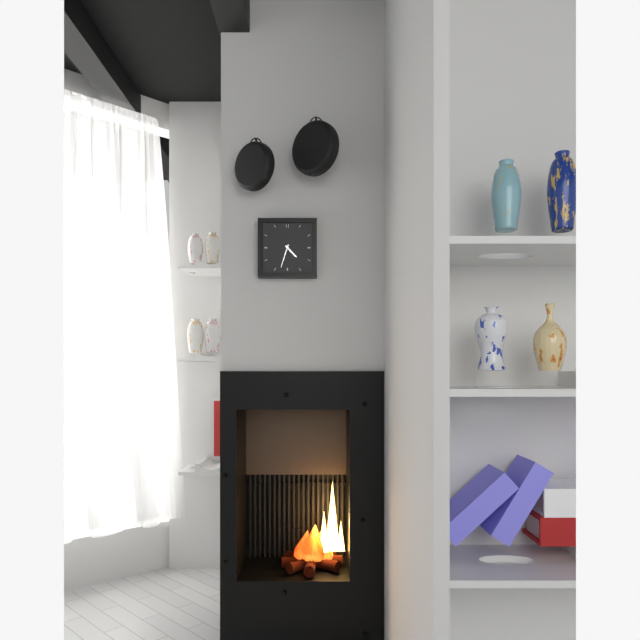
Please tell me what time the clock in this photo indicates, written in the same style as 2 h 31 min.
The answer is 4 h 33 min
